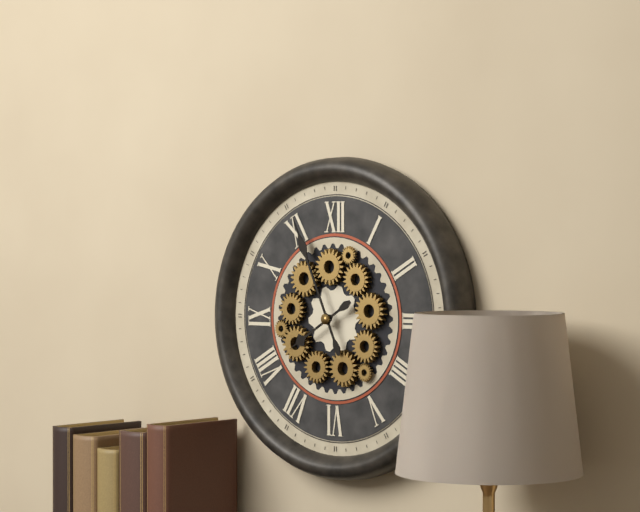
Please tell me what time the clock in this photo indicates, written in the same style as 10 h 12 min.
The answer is 7 h 56 min
